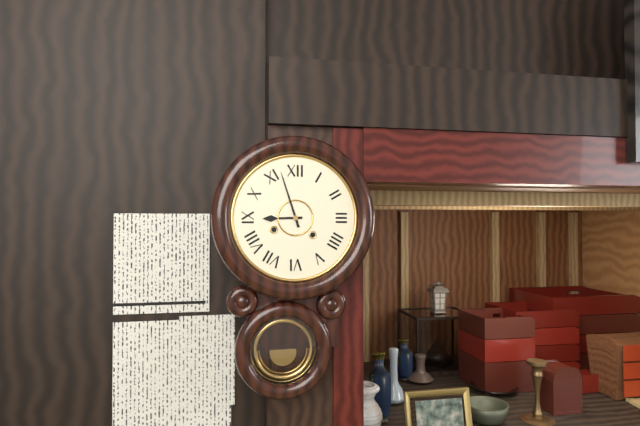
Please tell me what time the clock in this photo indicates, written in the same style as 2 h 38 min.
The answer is 8 h 57 min
